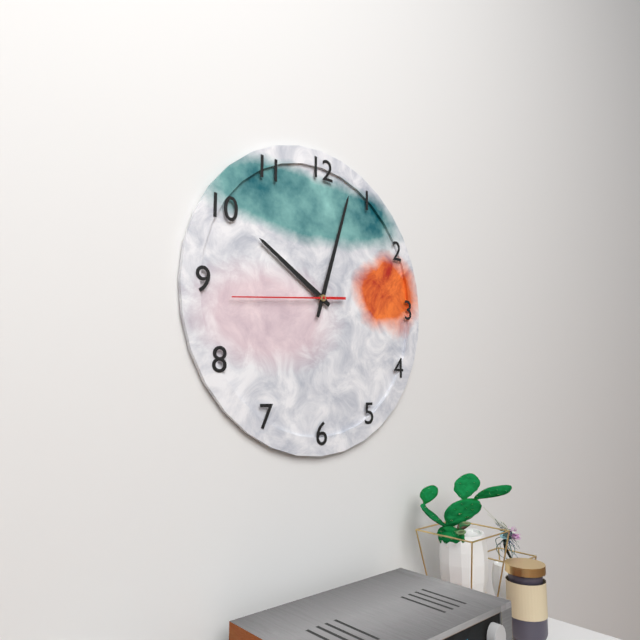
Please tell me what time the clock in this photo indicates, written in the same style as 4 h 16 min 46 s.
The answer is 10 h 03 min 44 s
